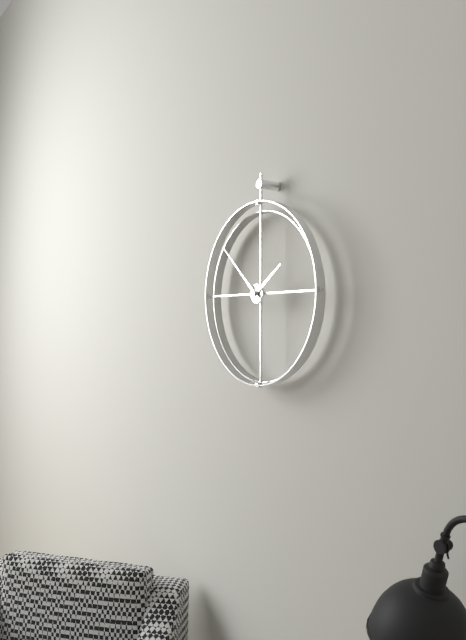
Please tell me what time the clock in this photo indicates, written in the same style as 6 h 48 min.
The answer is 1 h 52 min
